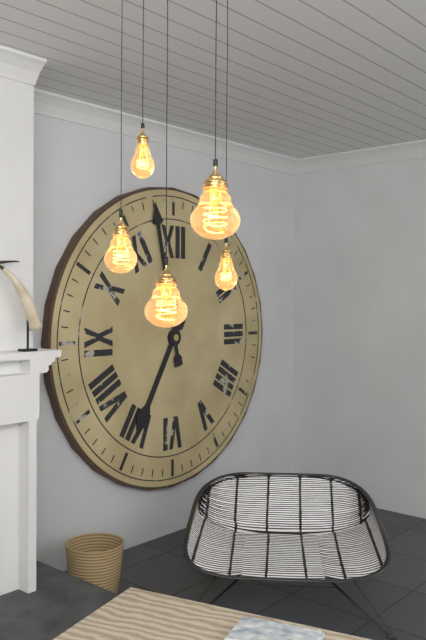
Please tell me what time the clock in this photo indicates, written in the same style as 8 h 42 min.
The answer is 6 h 58 min
